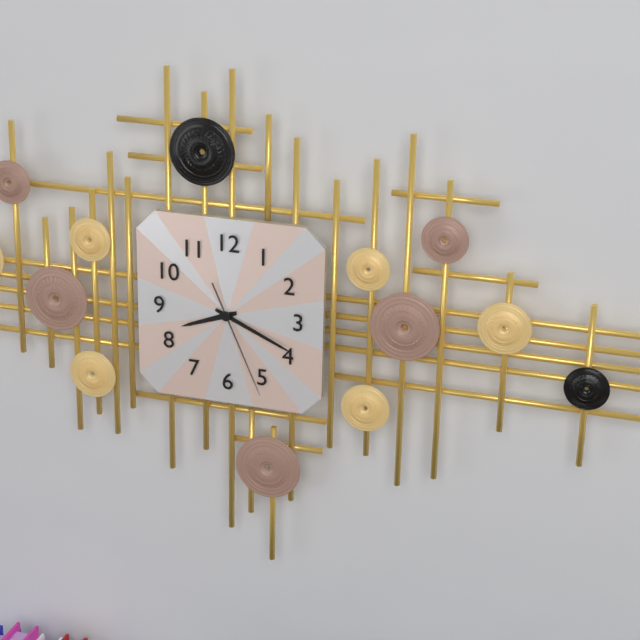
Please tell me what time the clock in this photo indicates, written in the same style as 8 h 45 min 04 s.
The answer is 8 h 19 min 26 s
